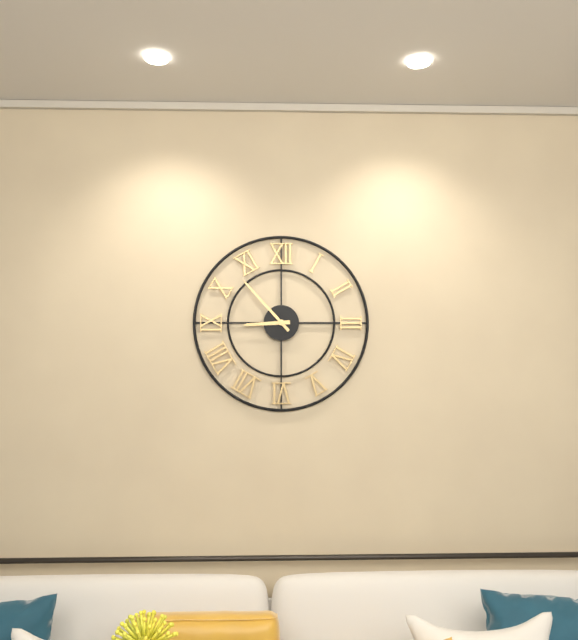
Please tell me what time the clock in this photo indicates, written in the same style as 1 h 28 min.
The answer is 8 h 53 min
